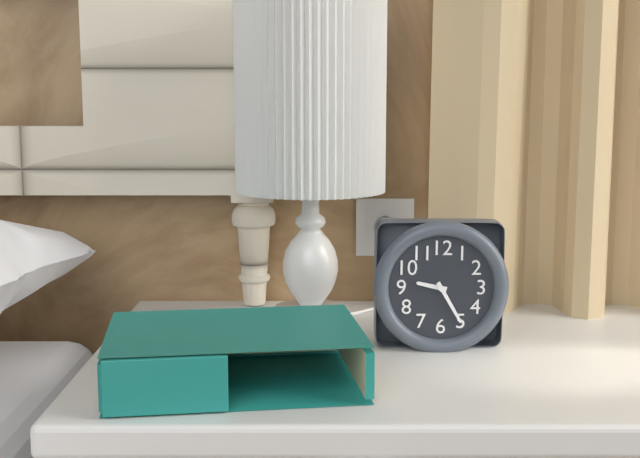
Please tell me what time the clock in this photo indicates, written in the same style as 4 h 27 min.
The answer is 9 h 25 min
